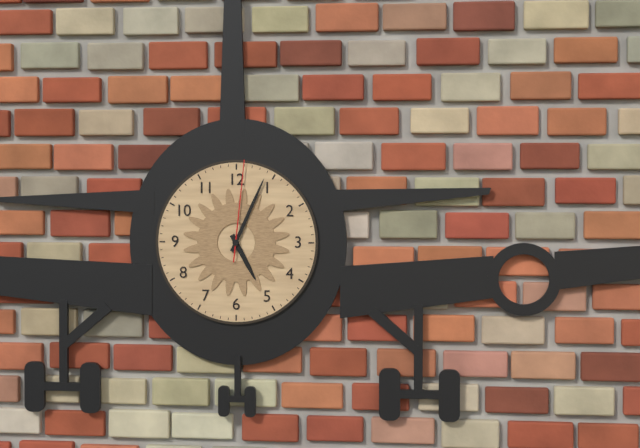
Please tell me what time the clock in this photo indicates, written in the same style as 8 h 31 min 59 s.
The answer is 5 h 04 min 01 s
